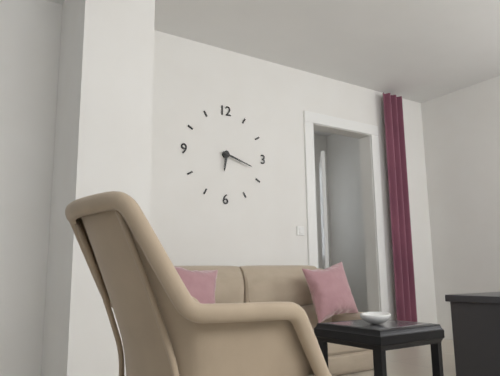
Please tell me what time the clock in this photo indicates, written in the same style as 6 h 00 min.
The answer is 6 h 18 min
